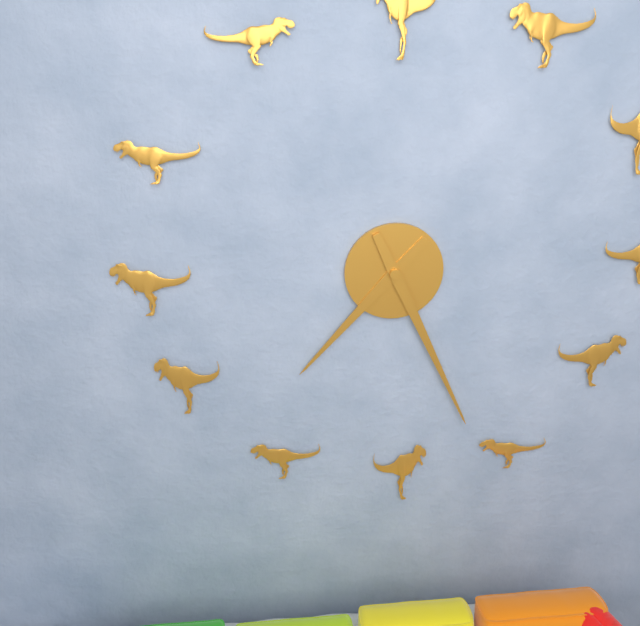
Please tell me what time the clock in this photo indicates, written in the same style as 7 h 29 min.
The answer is 7 h 26 min
